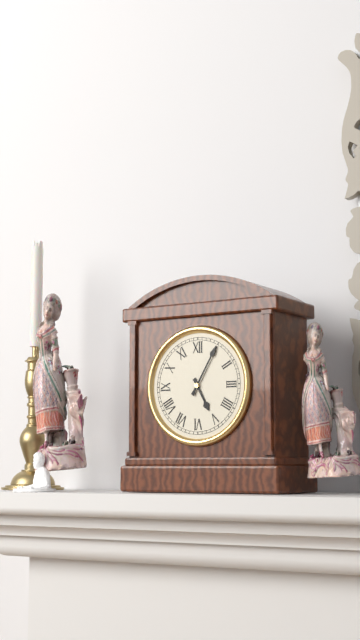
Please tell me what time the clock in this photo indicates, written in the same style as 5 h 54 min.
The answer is 5 h 05 min
